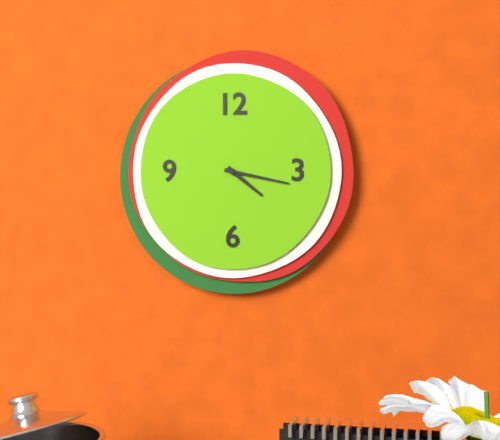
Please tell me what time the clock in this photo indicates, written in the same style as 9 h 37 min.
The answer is 4 h 17 min
